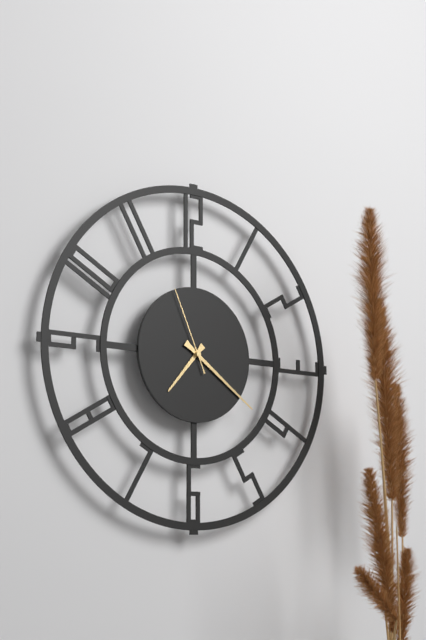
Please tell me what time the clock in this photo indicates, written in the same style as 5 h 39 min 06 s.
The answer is 7 h 21 min 56 s
